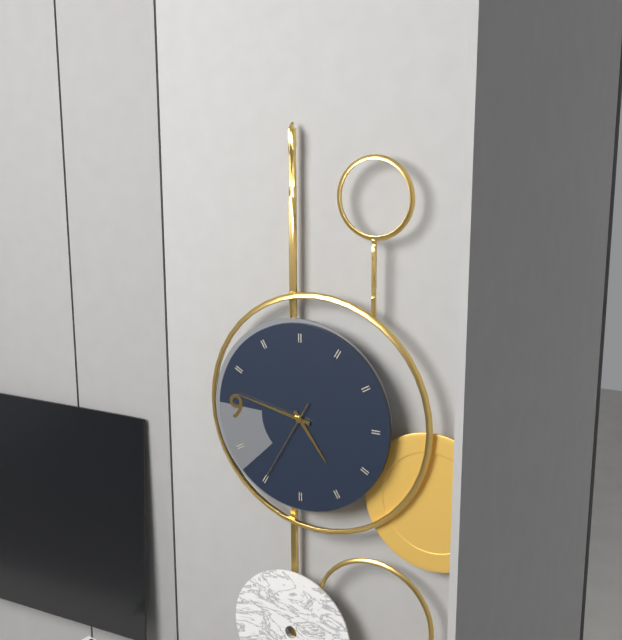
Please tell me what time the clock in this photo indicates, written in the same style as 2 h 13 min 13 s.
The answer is 4 h 47 min 35 s
